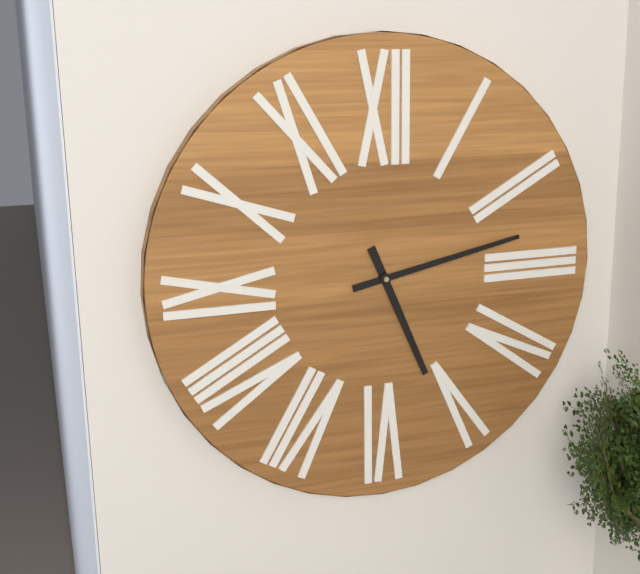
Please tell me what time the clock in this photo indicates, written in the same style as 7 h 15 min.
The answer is 5 h 13 min
